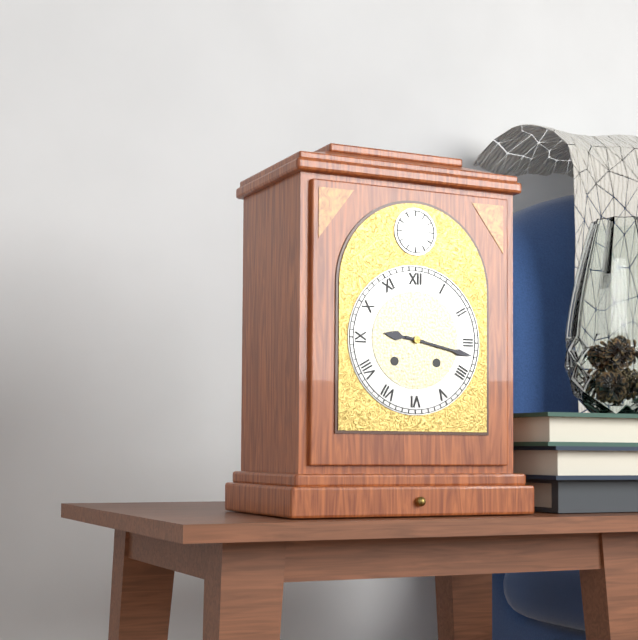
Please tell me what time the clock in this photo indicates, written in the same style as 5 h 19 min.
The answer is 9 h 17 min
